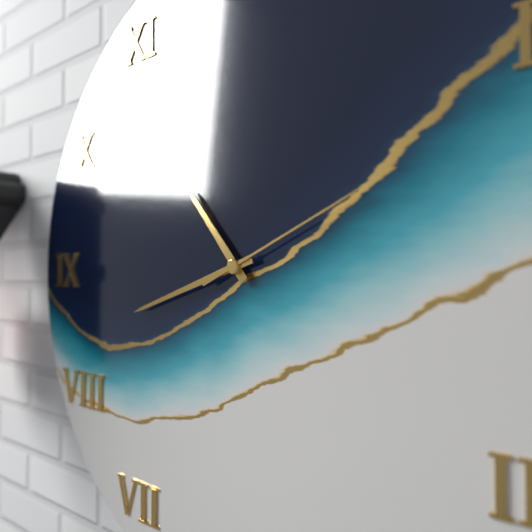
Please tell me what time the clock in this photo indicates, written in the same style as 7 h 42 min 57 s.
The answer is 10 h 42 min 11 s
